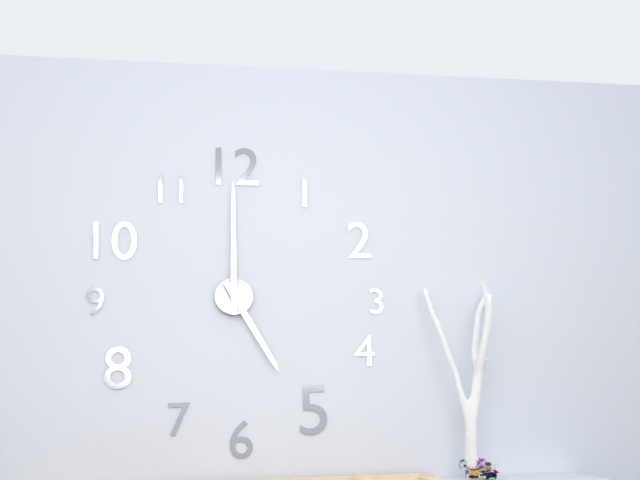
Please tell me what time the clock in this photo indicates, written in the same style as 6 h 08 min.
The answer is 5 h 00 min
